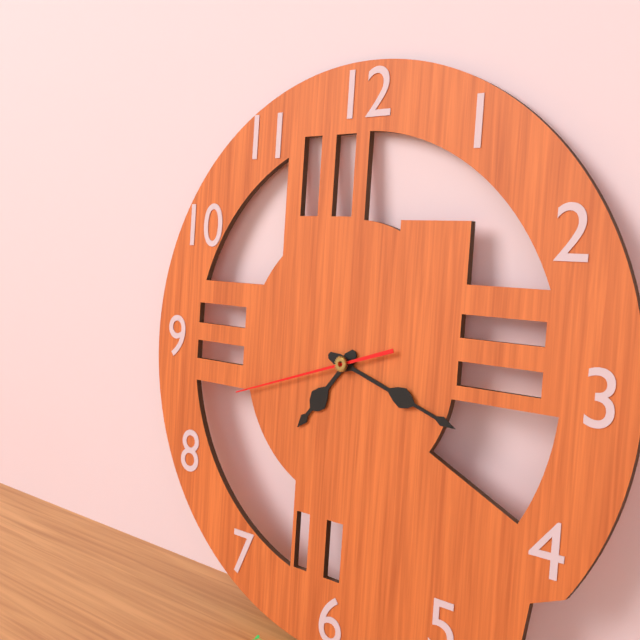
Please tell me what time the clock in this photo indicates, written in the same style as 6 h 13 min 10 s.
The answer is 7 h 18 min 42 s
